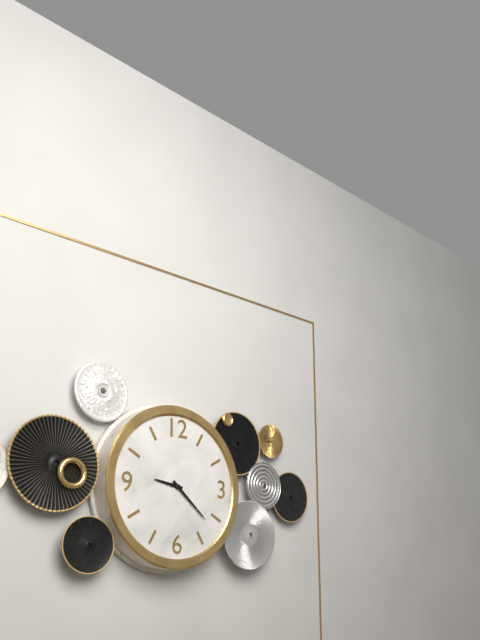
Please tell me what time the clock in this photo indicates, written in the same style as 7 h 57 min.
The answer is 9 h 22 min
